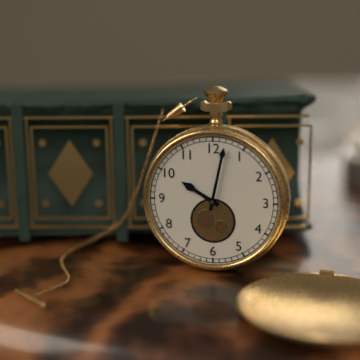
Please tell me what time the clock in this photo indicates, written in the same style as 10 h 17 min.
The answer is 10 h 02 min
